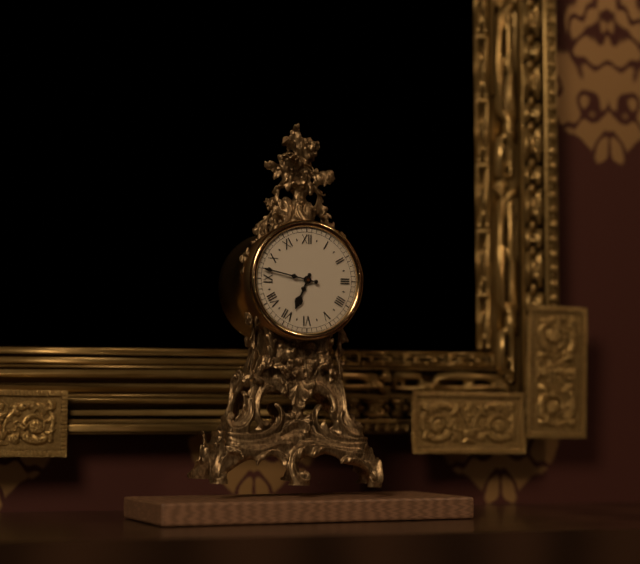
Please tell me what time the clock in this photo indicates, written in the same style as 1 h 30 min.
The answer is 6 h 47 min
